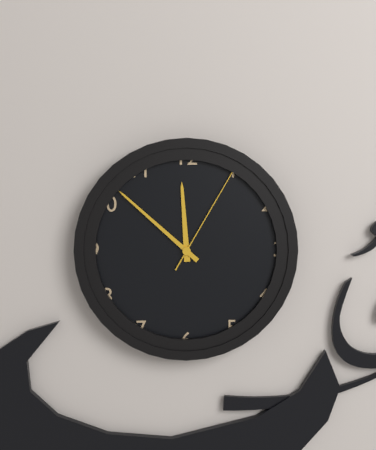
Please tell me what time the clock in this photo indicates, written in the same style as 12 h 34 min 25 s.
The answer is 11 h 52 min 05 s
